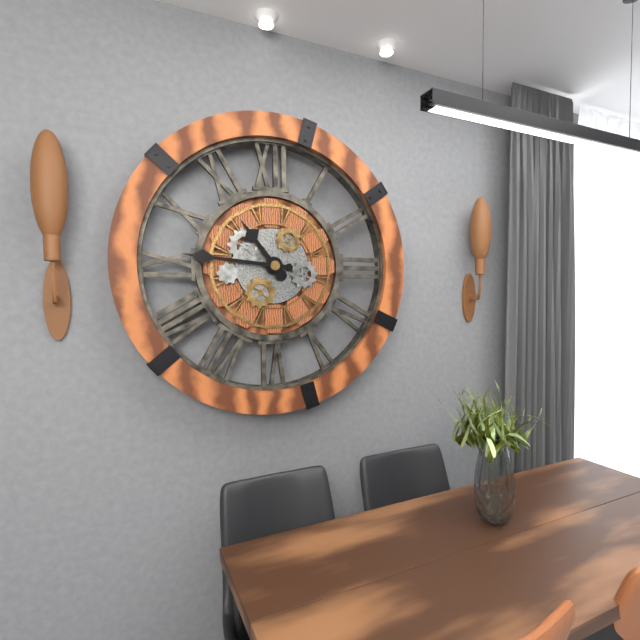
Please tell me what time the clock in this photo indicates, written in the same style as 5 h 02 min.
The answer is 10 h 46 min
